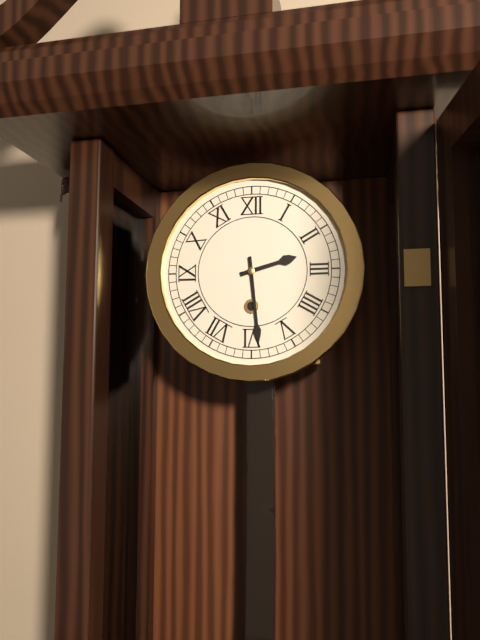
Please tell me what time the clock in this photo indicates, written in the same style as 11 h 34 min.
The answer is 2 h 29 min
